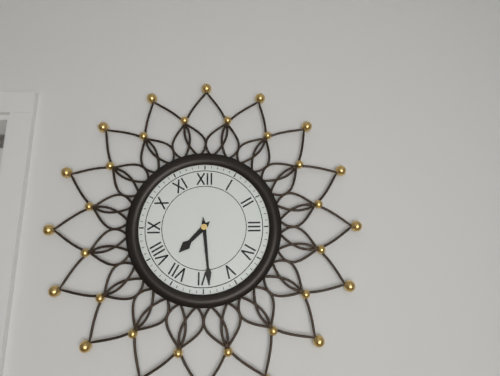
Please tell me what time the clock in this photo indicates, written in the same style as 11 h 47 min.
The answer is 7 h 29 min
